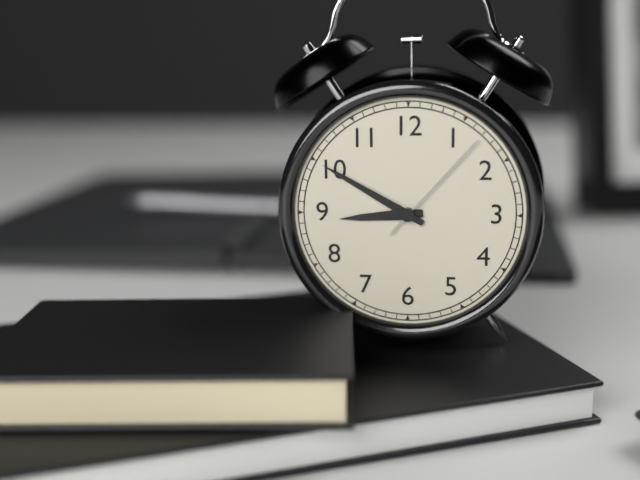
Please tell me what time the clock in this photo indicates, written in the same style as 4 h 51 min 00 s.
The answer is 8 h 50 min 07 s
